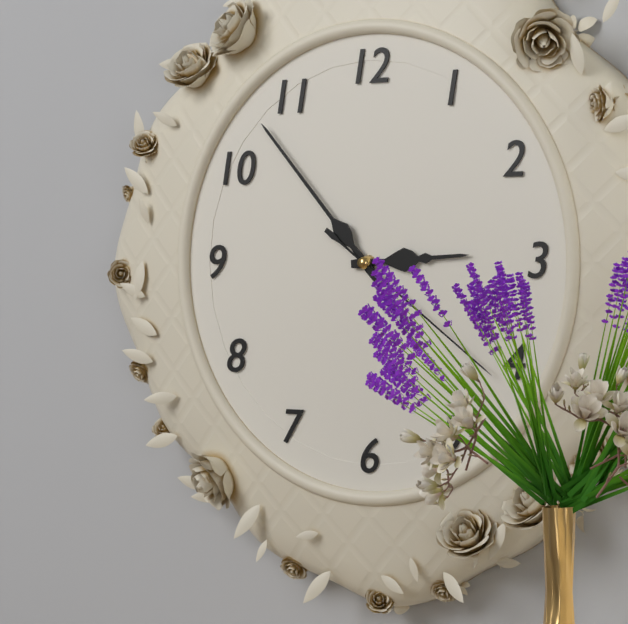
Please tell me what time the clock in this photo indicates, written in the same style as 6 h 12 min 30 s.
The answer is 2 h 53 min 21 s
